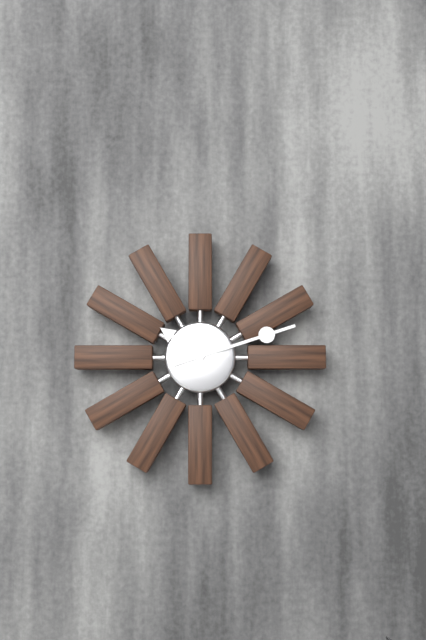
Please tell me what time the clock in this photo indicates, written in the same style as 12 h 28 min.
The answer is 10 h 12 min
